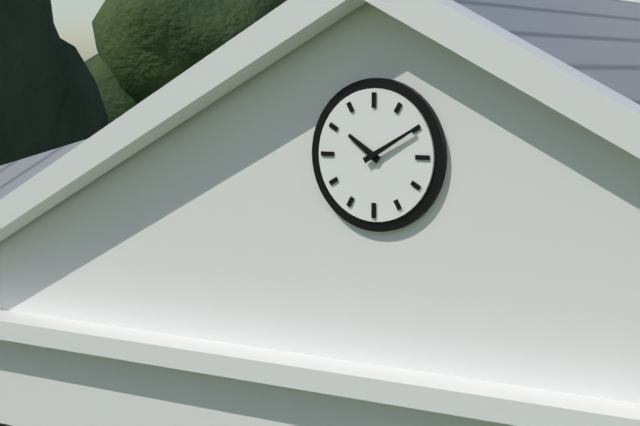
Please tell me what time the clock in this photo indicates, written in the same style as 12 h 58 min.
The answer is 10 h 10 min
